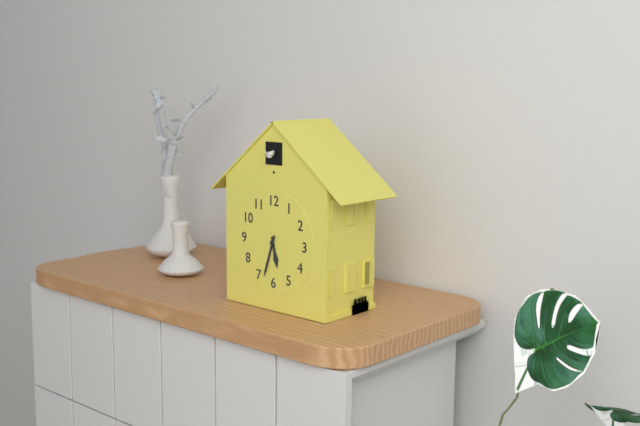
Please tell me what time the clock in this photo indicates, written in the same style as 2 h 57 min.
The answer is 5 h 33 min
